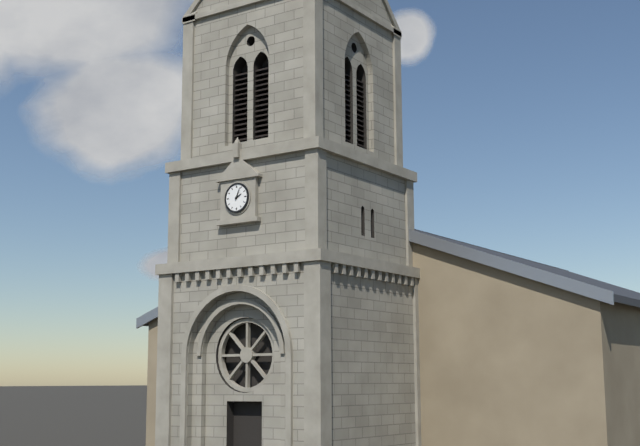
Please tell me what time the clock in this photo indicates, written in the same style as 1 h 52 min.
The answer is 2 h 04 min
